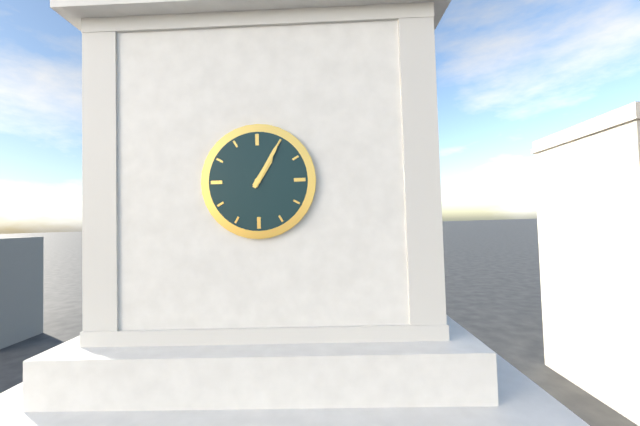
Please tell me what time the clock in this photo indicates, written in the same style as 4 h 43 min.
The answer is 1 h 05 min
